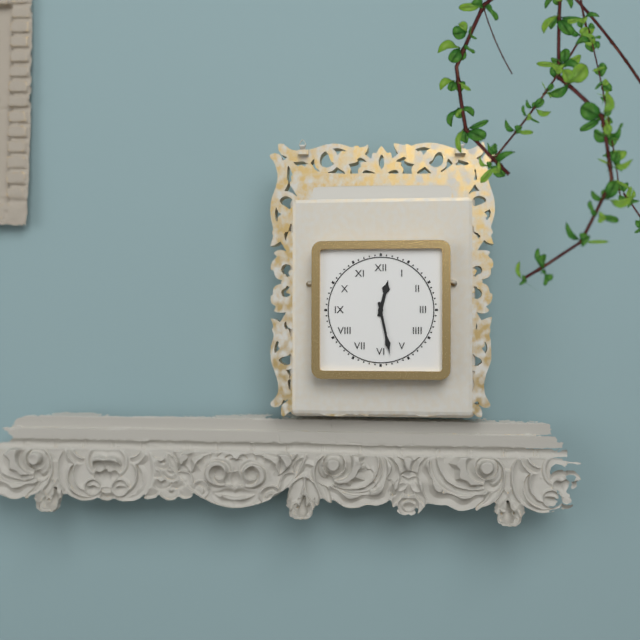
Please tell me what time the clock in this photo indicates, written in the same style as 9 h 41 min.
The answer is 12 h 28 min
